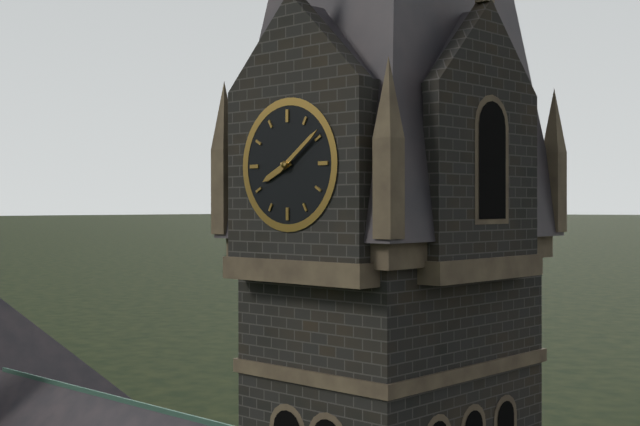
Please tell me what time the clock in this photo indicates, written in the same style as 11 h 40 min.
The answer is 8 h 09 min
